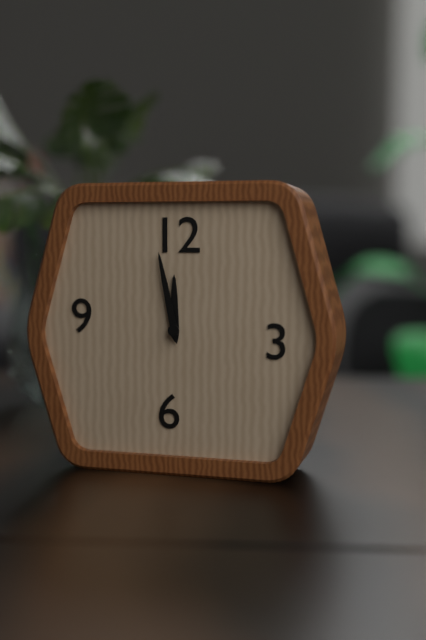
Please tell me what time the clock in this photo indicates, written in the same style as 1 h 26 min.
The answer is 11 h 58 min
